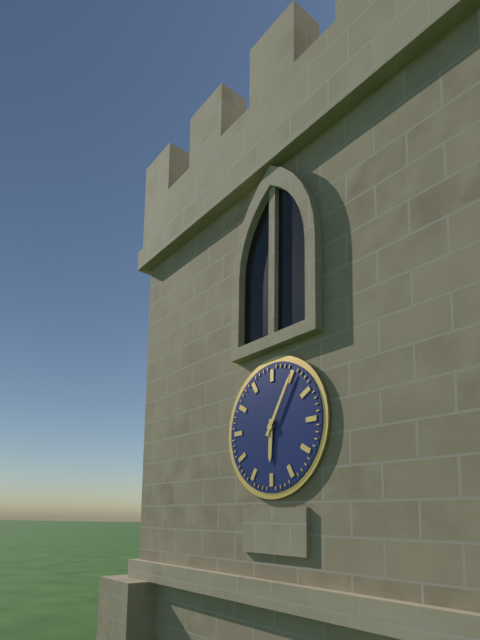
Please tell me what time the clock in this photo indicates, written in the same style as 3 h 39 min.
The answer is 6 h 05 min
